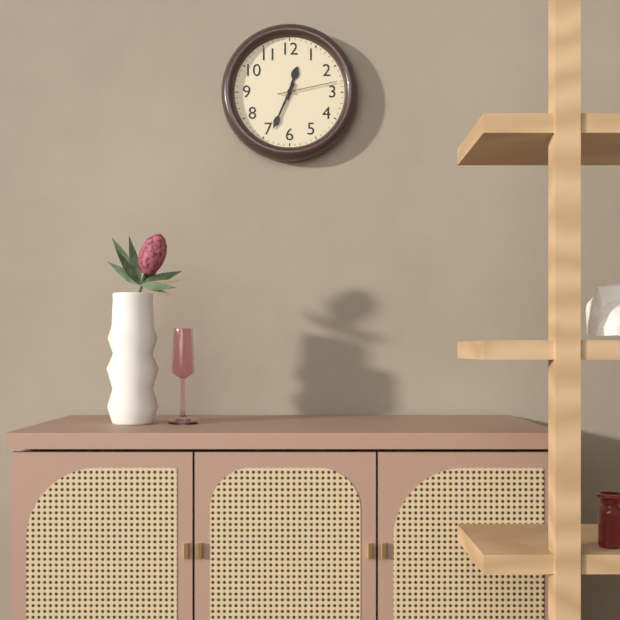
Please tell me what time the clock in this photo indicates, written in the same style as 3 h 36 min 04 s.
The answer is 12 h 34 min 13 s
